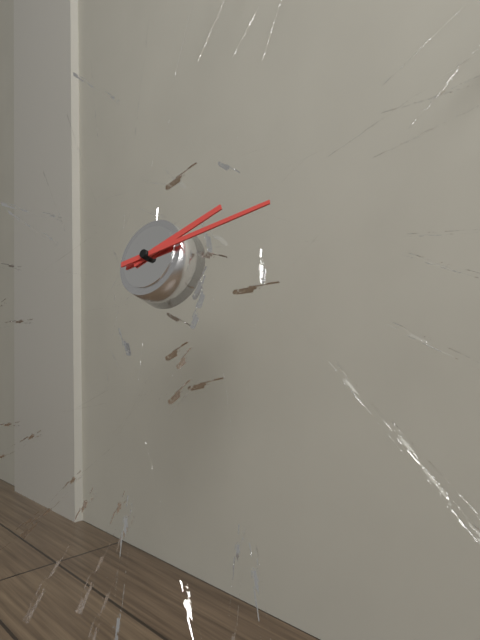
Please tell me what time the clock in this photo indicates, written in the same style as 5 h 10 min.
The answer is 2 h 13 min
